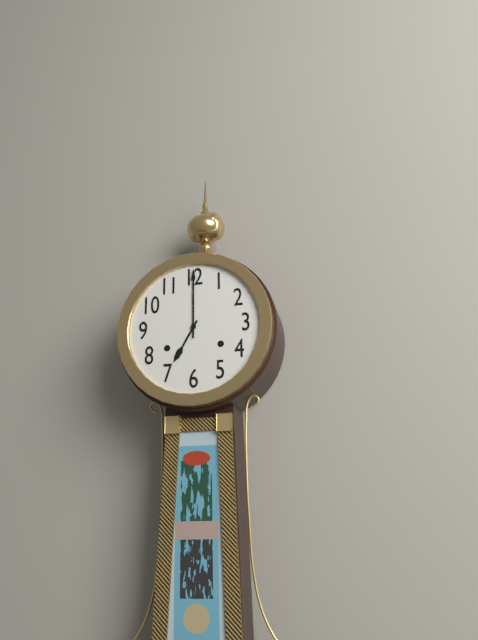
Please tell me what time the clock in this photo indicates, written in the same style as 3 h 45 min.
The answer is 7 h 00 min
